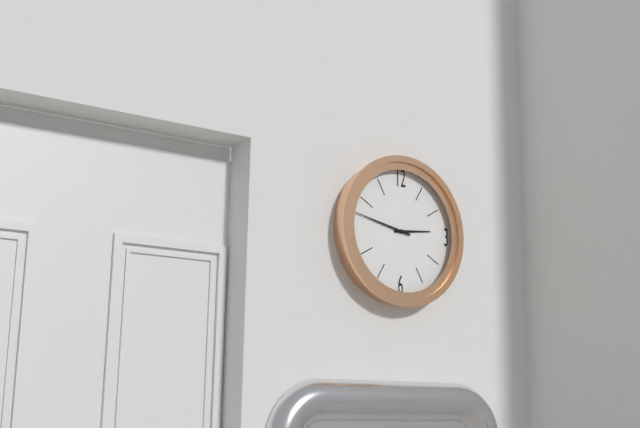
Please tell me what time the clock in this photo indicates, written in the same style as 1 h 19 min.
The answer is 2 h 47 min
